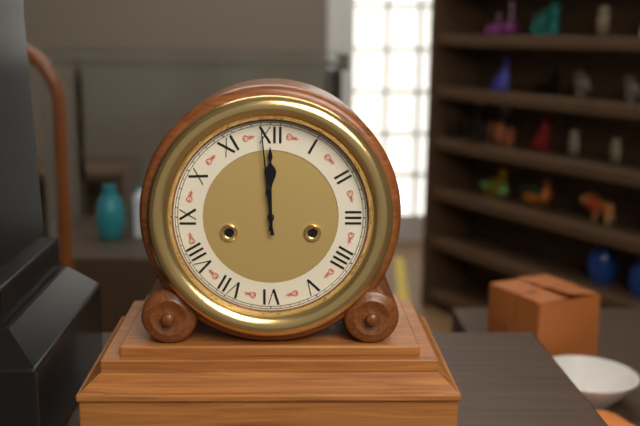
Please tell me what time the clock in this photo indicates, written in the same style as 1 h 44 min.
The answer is 11 h 59 min
